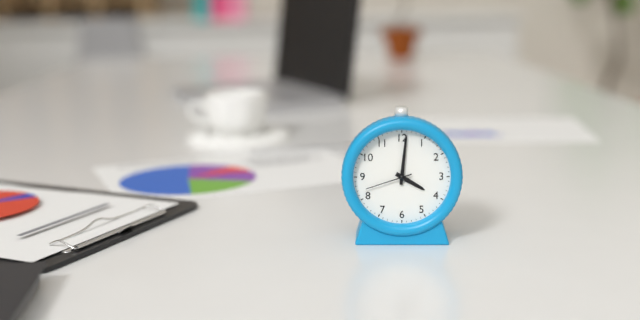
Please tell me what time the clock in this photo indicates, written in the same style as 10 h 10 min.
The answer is 4 h 01 min
